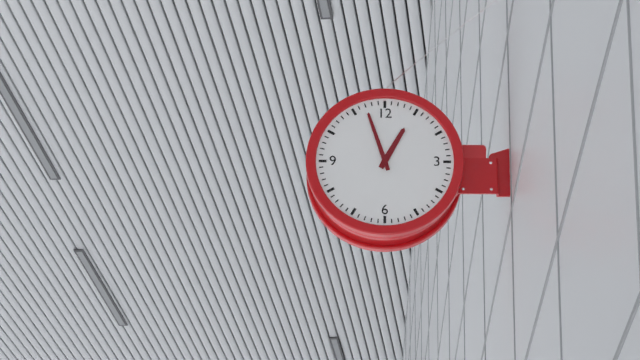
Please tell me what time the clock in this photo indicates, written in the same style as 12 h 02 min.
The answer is 12 h 57 min
